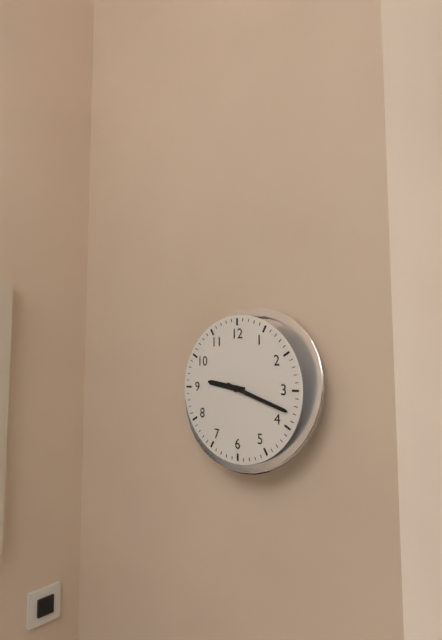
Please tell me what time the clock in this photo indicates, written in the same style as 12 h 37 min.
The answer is 9 h 18 min
